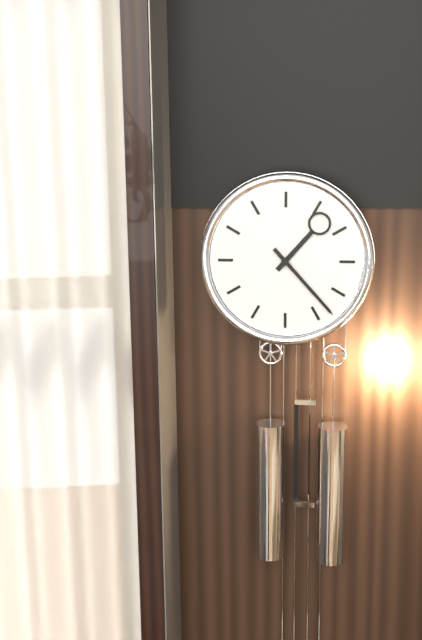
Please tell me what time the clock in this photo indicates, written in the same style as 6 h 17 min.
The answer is 1 h 23 min
